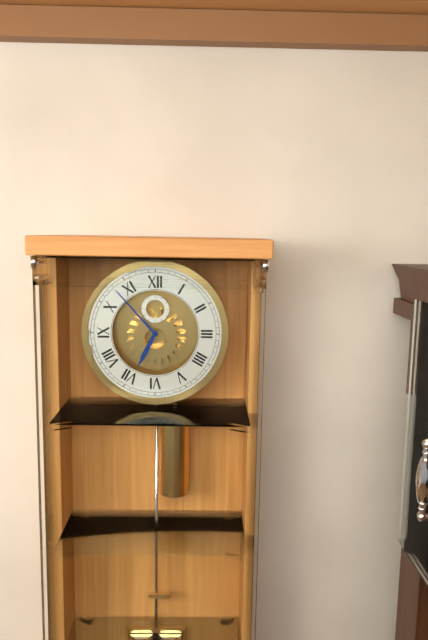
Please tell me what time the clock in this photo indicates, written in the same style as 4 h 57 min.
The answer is 6 h 53 min
